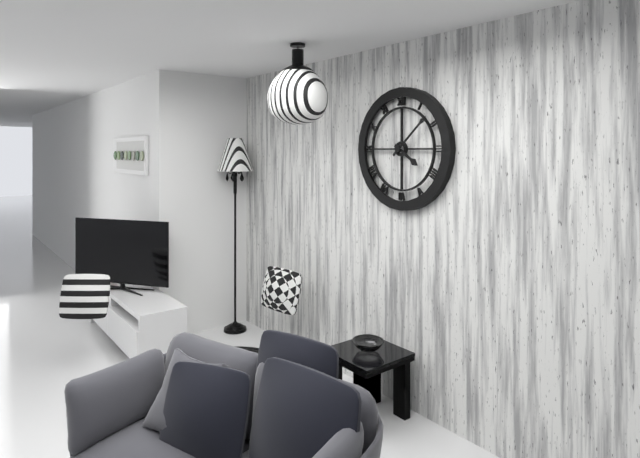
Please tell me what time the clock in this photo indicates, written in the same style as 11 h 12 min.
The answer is 4 h 08 min
